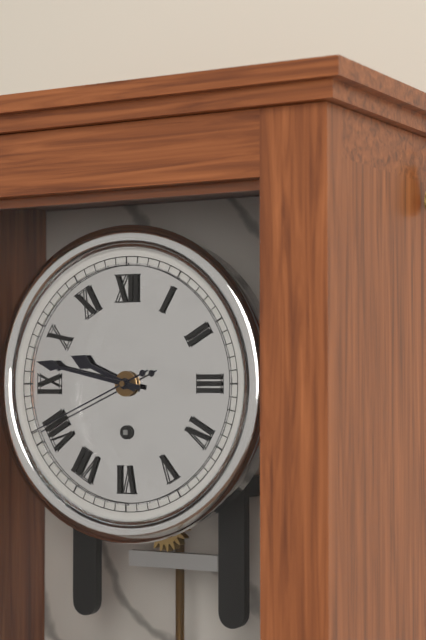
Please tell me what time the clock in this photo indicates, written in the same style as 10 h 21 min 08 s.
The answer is 9 h 47 min 41 s
